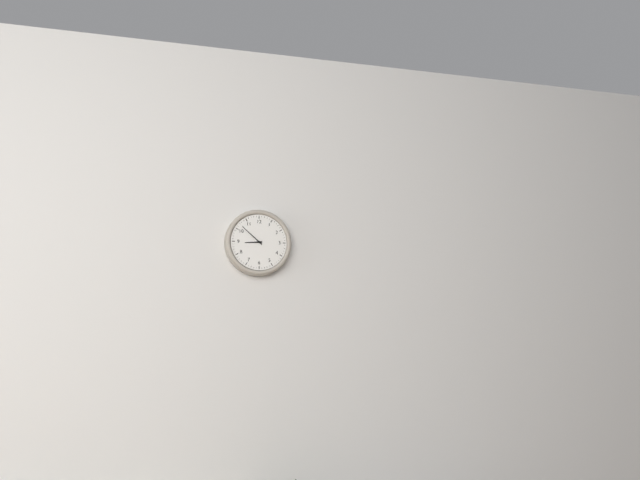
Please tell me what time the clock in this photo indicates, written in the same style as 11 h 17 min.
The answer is 8 h 52 min
